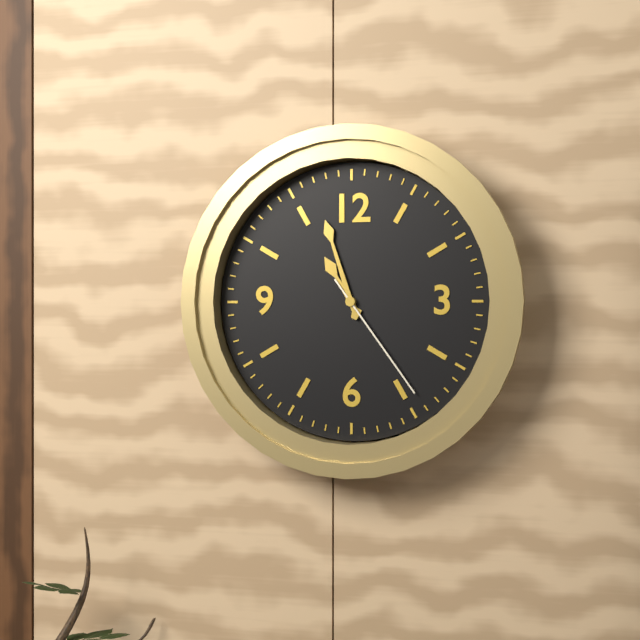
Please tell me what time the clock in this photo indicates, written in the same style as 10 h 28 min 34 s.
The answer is 10 h 57 min 24 s
